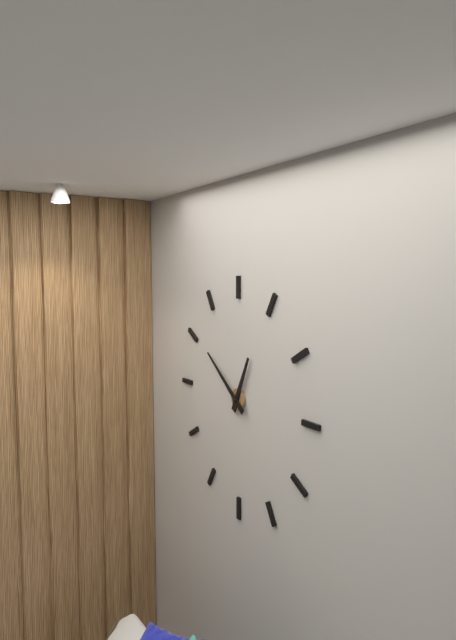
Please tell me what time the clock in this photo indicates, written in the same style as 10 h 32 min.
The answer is 12 h 51 min
